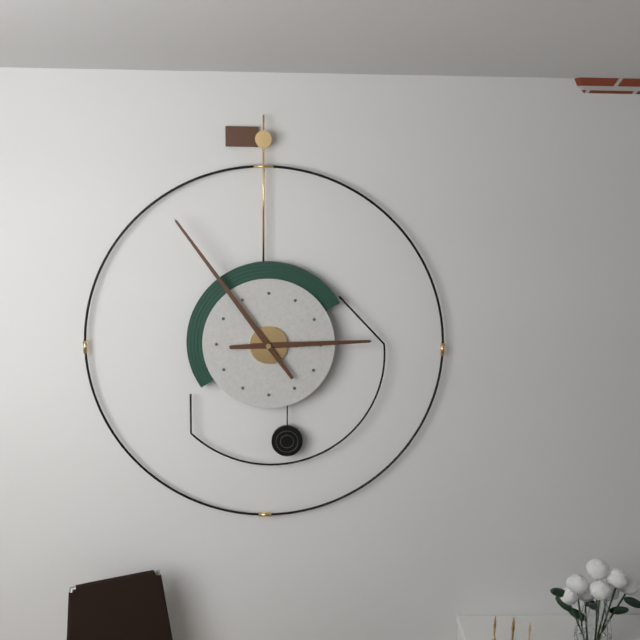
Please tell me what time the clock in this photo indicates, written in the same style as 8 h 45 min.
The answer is 2 h 54 min
